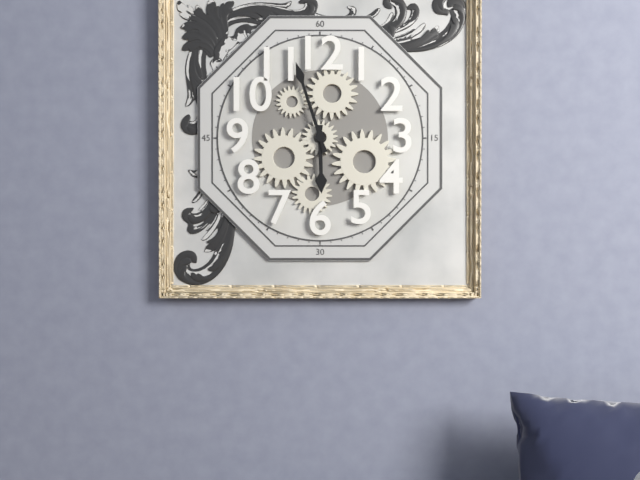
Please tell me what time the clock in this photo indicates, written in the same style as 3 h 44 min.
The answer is 5 h 57 min
